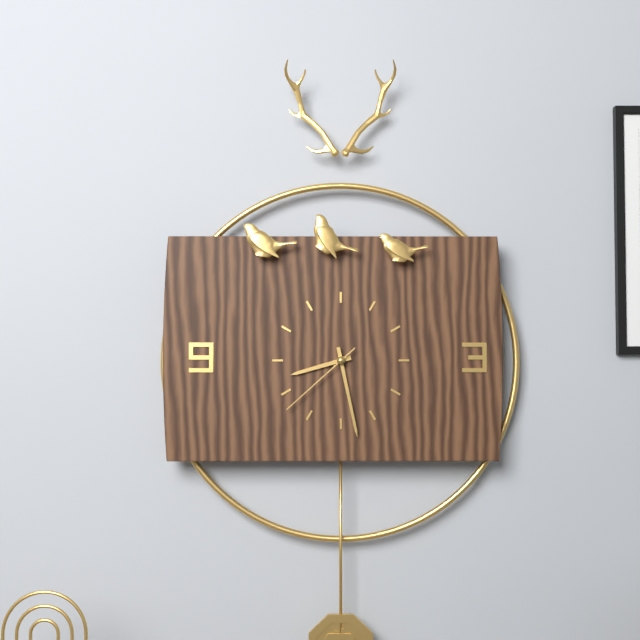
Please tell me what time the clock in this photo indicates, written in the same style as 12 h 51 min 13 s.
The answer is 8 h 28 min 38 s
